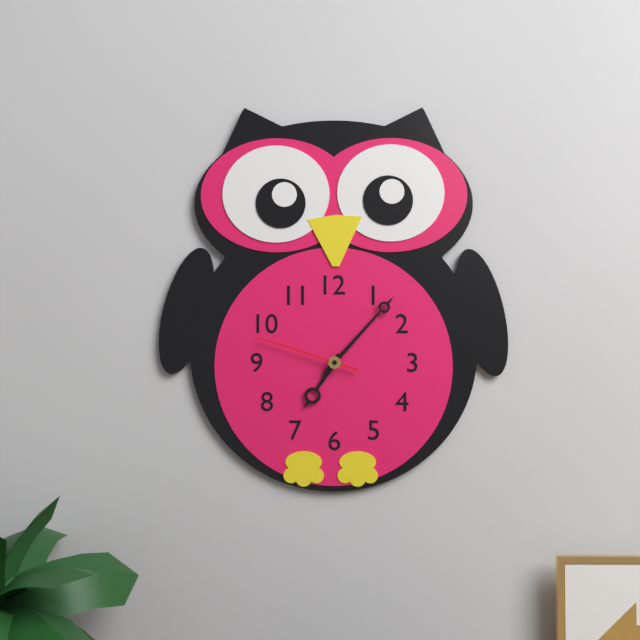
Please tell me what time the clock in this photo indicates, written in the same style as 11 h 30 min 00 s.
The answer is 7 h 07 min 48 s
